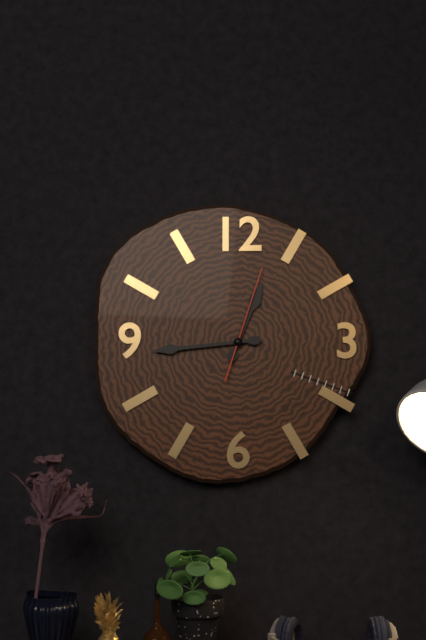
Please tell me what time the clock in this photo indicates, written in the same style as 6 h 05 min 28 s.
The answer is 12 h 44 min 03 s
